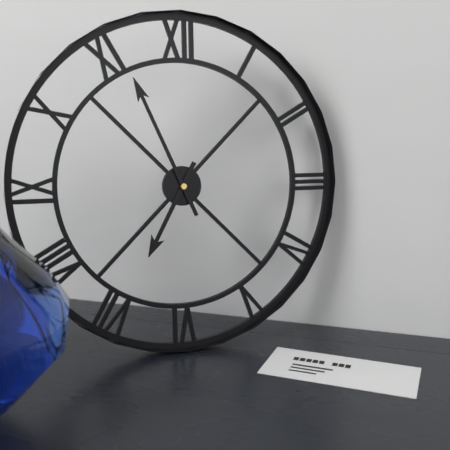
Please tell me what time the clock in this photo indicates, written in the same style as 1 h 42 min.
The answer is 6 h 56 min
